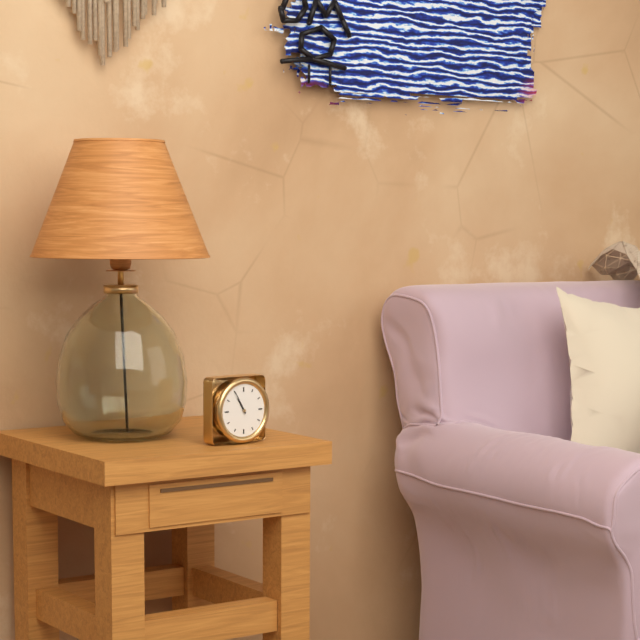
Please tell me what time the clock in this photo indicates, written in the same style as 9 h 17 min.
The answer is 10 h 55 min
